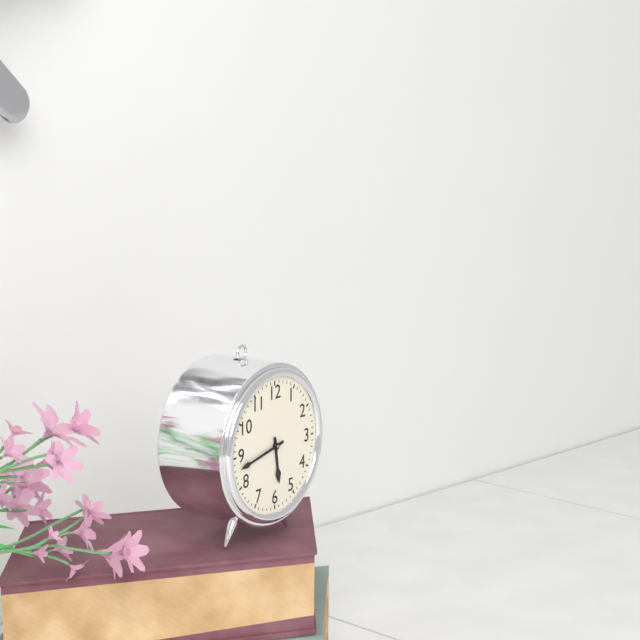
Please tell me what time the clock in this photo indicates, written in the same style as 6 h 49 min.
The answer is 5 h 43 min
